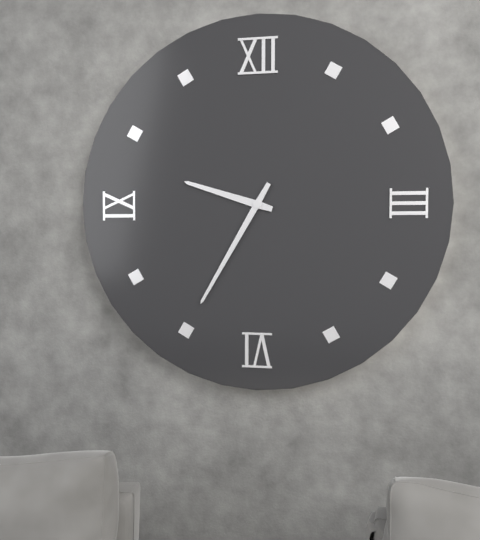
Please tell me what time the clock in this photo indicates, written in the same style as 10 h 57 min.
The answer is 9 h 35 min
